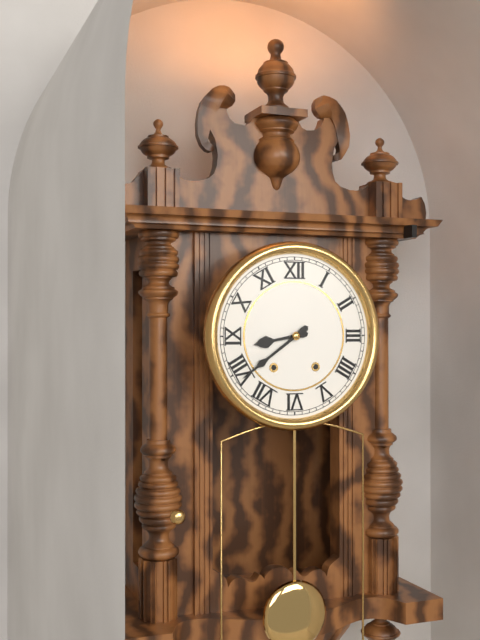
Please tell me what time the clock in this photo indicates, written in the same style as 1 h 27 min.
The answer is 8 h 39 min
